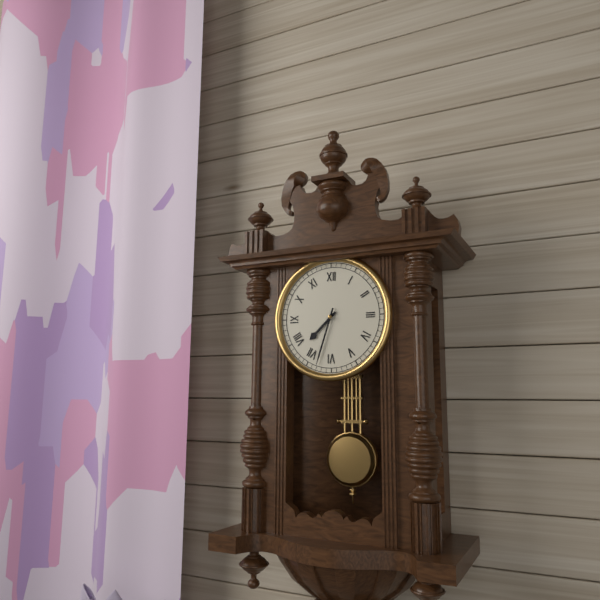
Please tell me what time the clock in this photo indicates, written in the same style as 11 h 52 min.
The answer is 7 h 33 min
